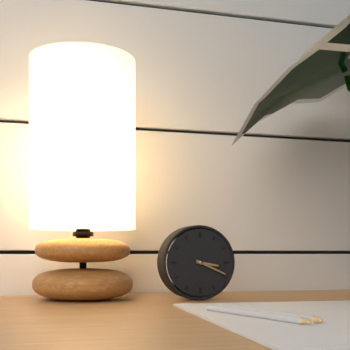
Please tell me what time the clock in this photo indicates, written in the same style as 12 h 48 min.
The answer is 3 h 19 min
